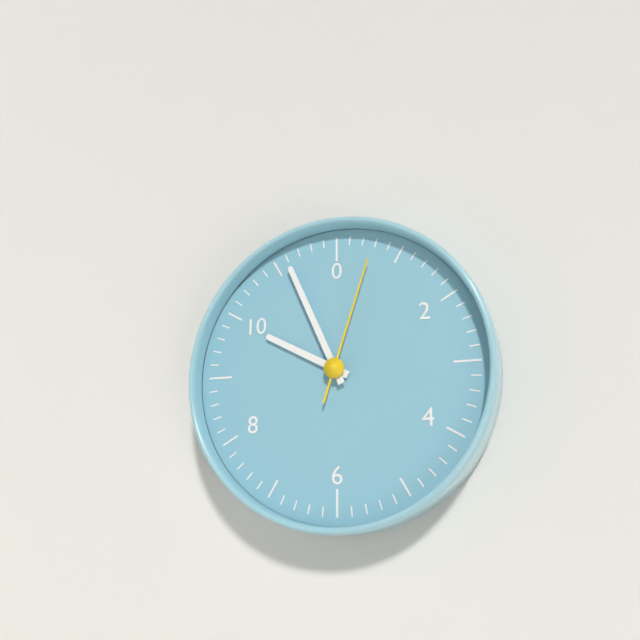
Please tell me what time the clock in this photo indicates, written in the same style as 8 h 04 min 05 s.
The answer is 9 h 56 min 03 s
